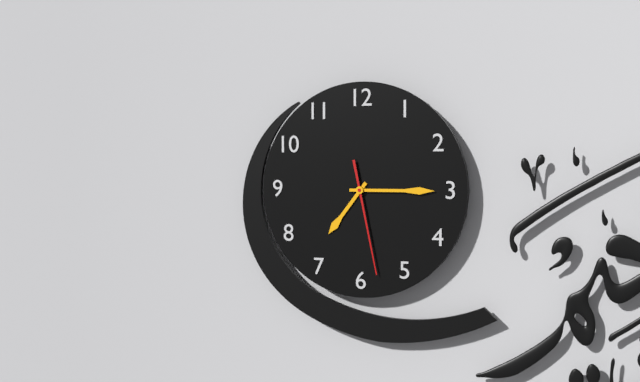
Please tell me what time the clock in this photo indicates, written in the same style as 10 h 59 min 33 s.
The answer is 7 h 15 min 28 s
